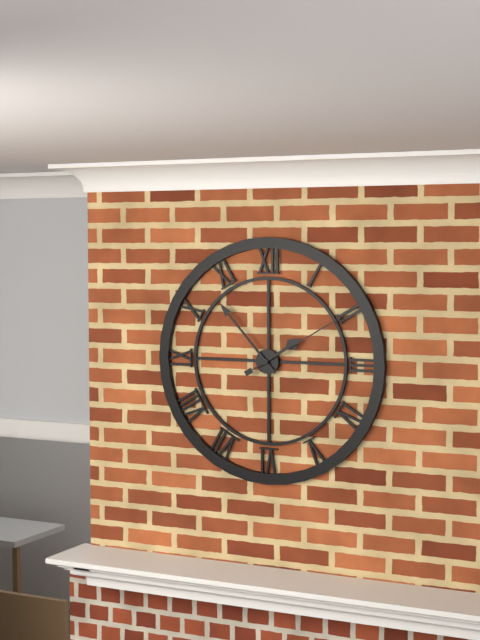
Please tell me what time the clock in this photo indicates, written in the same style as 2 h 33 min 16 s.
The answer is 1 h 53 min 10 s
